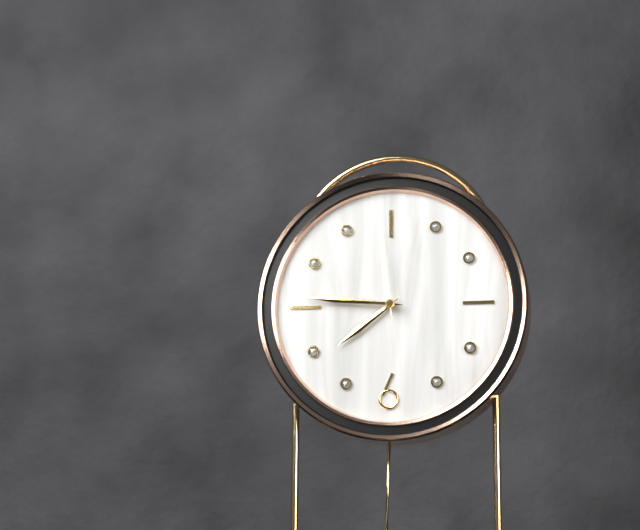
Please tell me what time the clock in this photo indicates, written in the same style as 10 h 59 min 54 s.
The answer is 7 h 46 min 59 s
